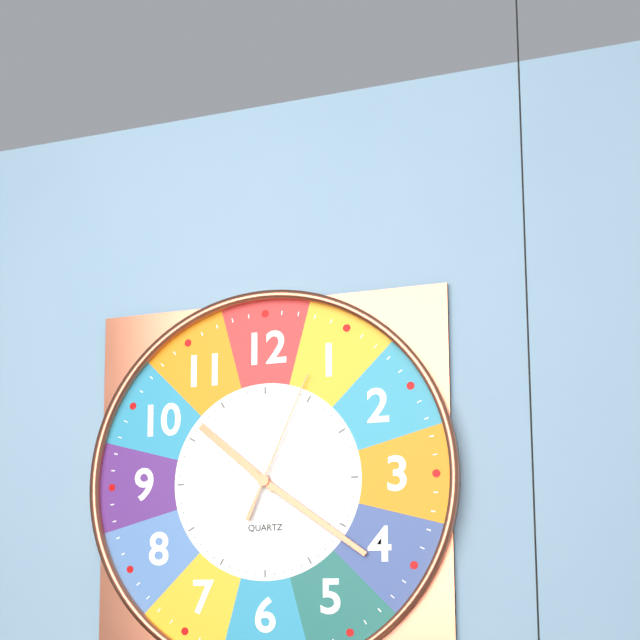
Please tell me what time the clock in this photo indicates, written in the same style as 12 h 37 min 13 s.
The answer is 10 h 21 min 04 s
